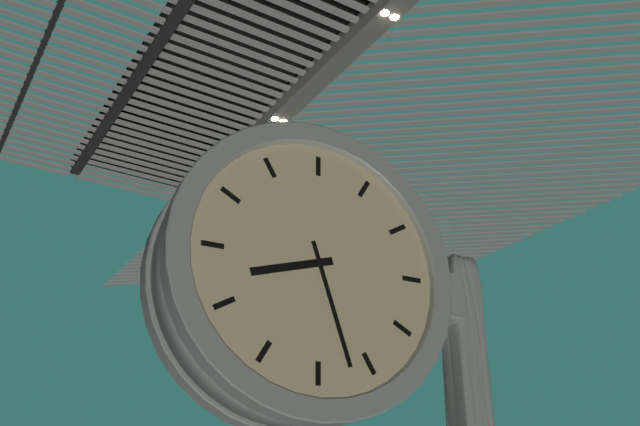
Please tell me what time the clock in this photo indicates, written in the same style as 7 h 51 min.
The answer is 8 h 27 min
